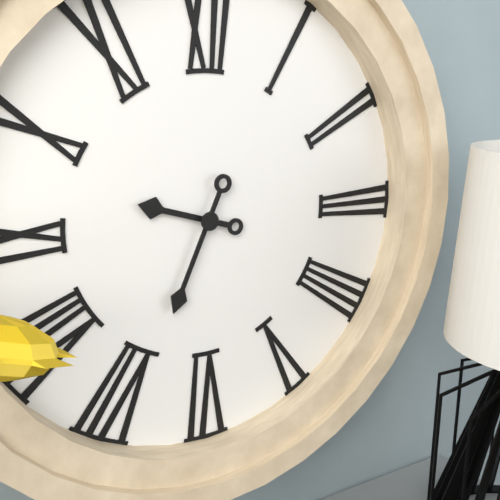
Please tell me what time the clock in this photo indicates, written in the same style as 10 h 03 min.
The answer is 9 h 34 min
